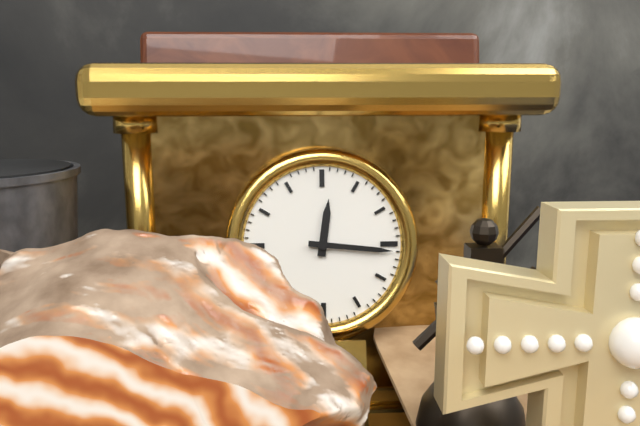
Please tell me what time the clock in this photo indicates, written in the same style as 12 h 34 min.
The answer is 12 h 16 min
